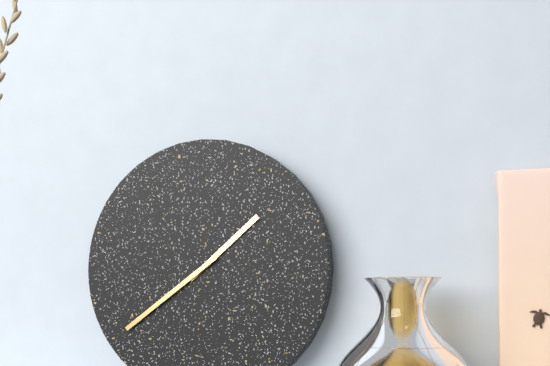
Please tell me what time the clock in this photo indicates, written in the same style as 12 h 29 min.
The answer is 1 h 39 min
